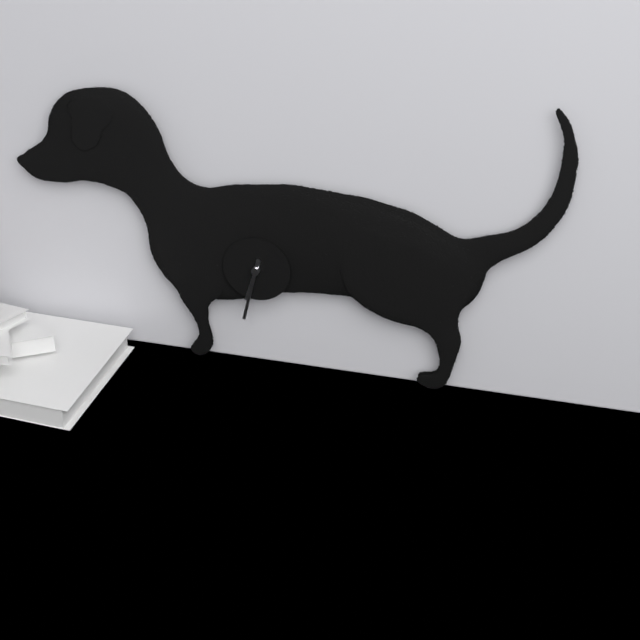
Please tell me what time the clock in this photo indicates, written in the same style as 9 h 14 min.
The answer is 6 h 32 min
